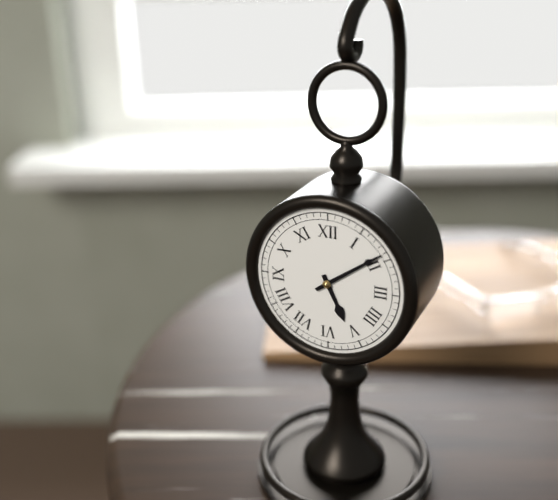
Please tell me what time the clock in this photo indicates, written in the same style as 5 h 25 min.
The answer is 5 h 09 min
